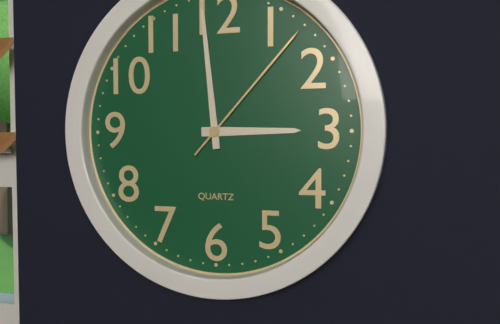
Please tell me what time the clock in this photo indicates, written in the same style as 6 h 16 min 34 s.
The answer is 2 h 59 min 07 s
